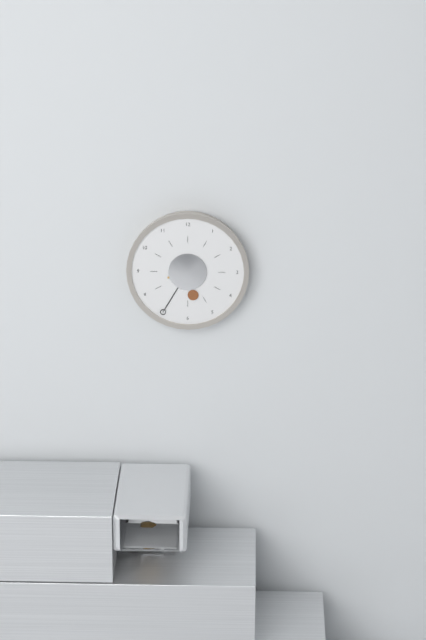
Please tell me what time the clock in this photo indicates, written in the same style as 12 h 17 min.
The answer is 5 h 35 min
